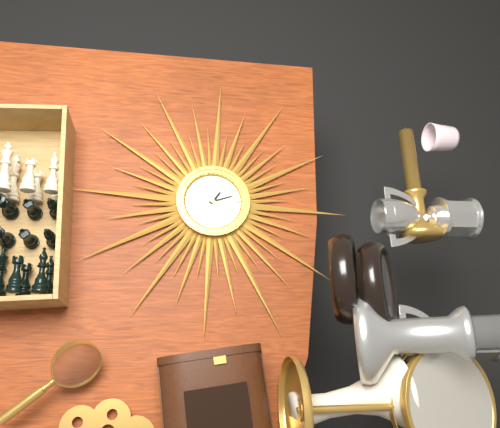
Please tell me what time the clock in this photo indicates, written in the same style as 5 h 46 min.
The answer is 1 h 12 min
